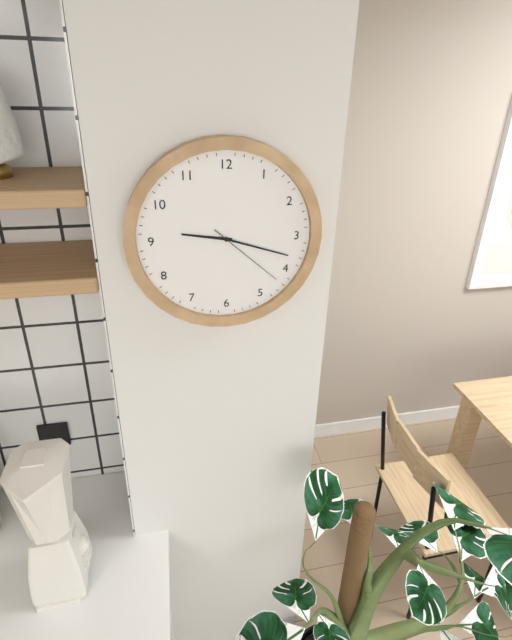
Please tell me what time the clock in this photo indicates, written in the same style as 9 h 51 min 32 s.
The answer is 9 h 18 min 22 s
